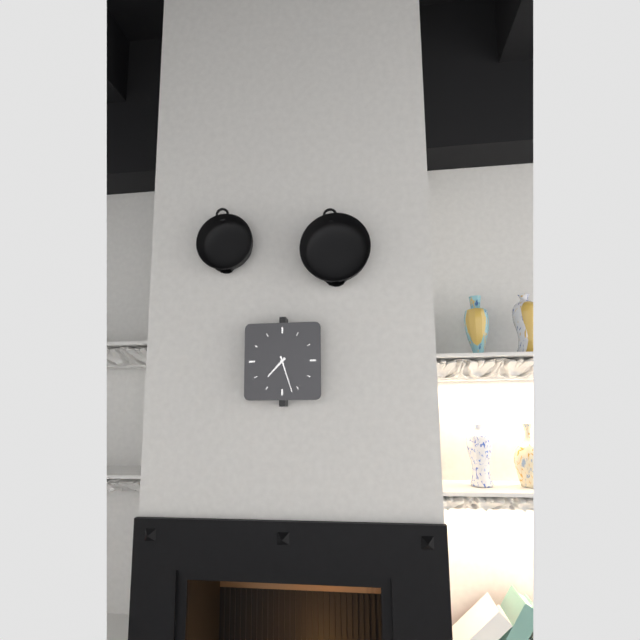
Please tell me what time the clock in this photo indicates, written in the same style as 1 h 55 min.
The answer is 7 h 27 min
